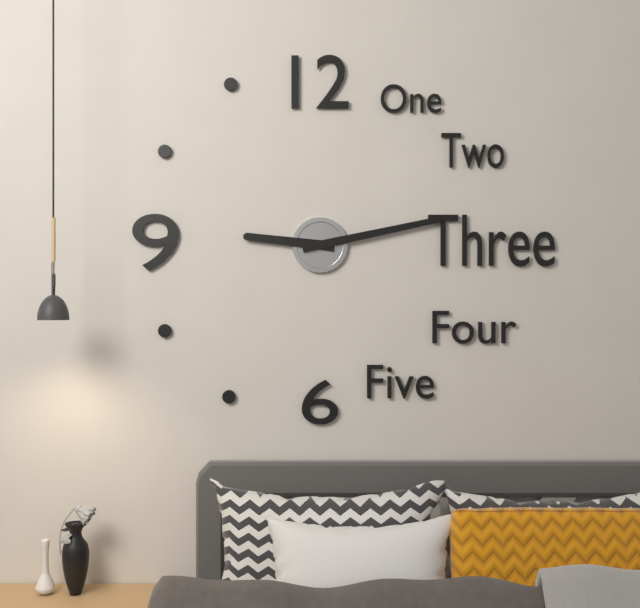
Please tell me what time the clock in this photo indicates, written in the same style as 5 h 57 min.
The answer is 9 h 13 min
